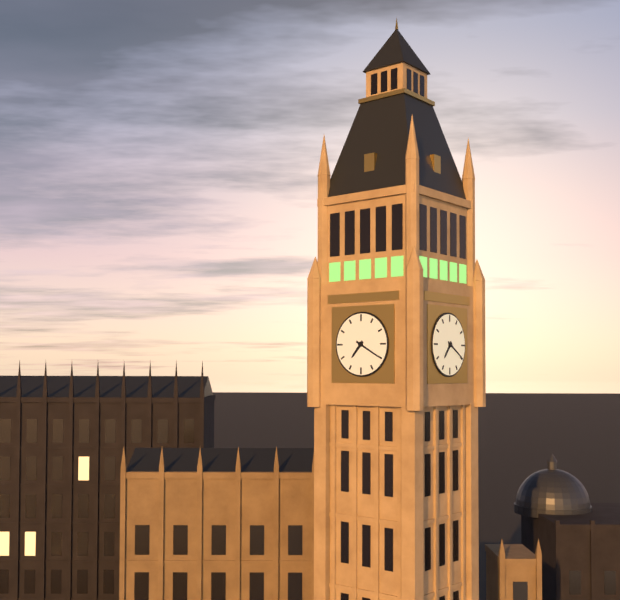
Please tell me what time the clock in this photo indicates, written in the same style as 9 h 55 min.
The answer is 7 h 20 min
